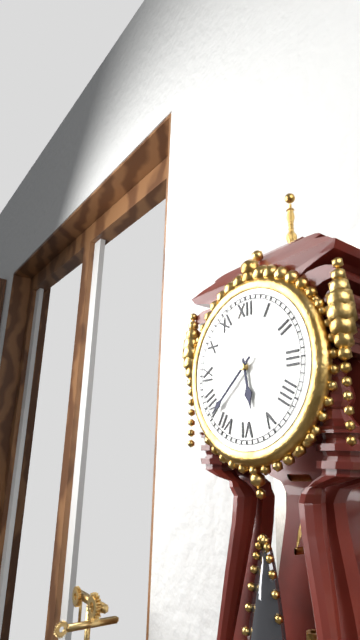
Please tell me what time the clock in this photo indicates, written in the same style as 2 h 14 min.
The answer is 5 h 38 min
